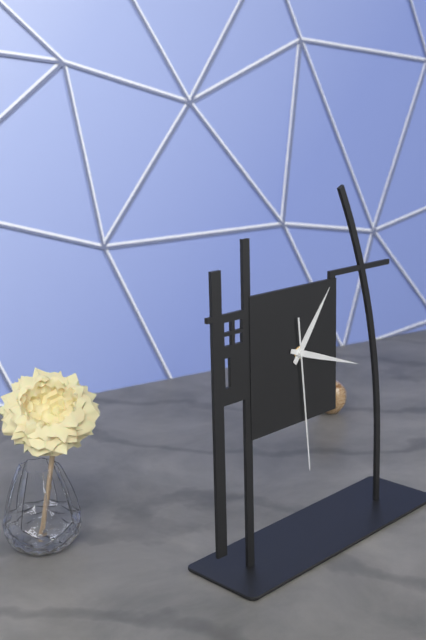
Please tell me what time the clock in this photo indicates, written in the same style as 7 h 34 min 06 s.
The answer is 1 h 18 min 29 s
